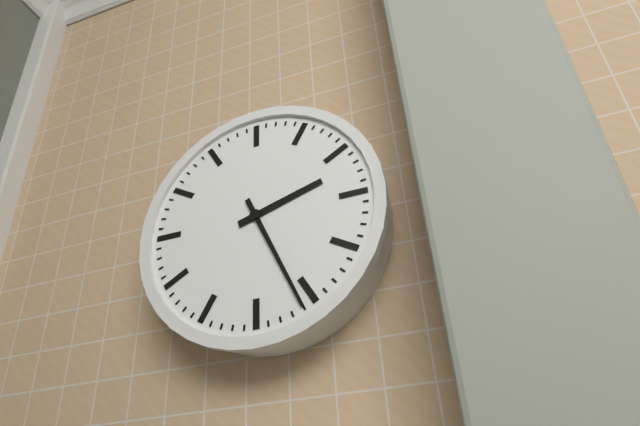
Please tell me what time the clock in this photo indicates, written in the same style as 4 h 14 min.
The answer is 2 h 26 min
